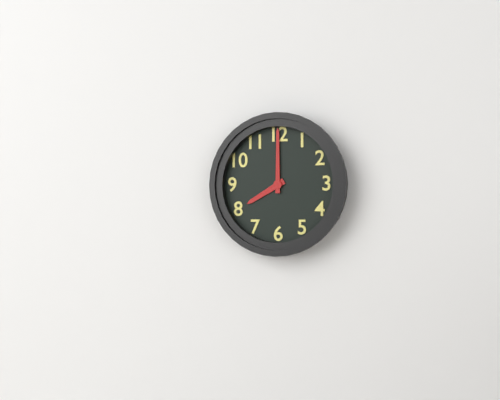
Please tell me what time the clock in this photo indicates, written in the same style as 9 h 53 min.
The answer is 8 h 00 min
